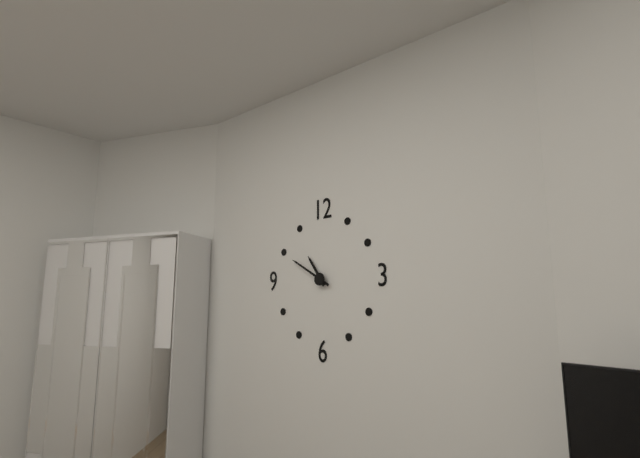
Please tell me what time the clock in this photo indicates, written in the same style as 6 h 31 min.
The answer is 10 h 50 min
